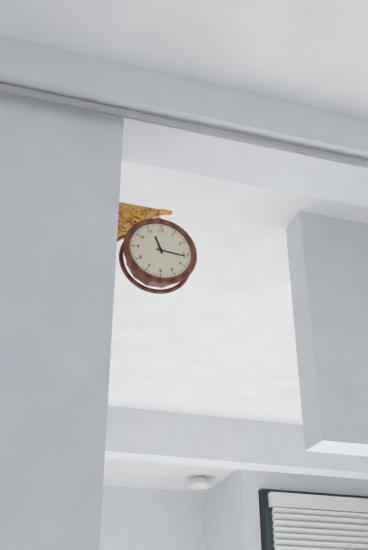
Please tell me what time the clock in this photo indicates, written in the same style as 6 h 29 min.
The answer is 11 h 16 min
